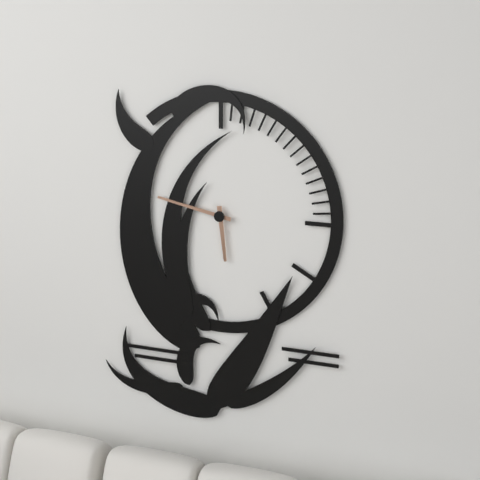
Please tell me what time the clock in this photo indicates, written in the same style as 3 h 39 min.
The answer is 5 h 47 min
